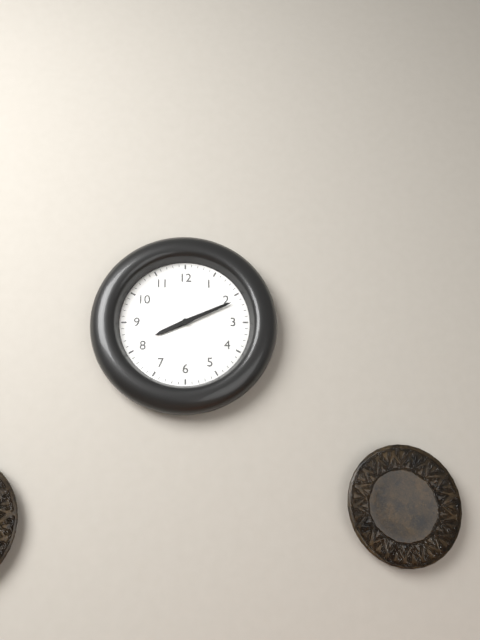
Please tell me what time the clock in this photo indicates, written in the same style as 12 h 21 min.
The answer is 8 h 11 min
